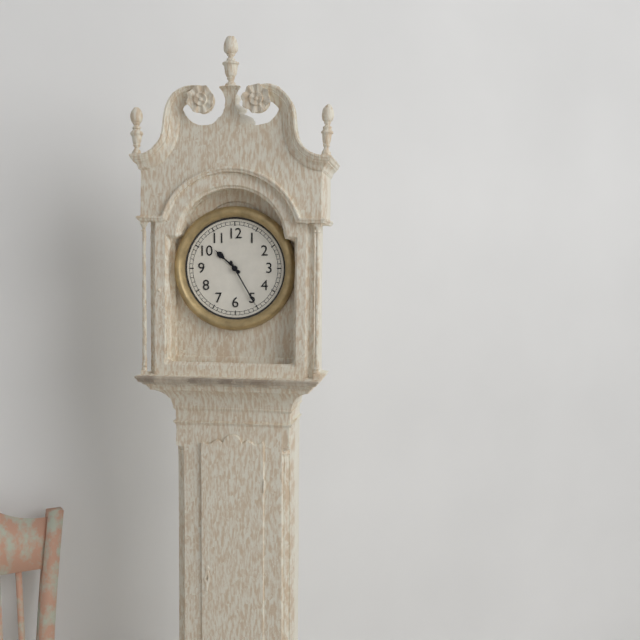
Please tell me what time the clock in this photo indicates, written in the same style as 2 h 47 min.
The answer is 10 h 25 min
